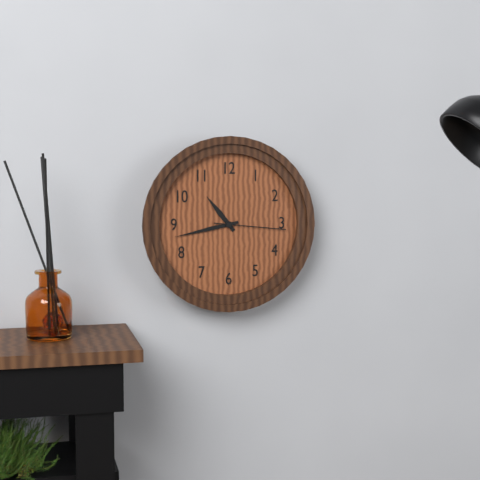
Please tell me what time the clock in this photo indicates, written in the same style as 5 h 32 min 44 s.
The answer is 10 h 43 min 16 s
